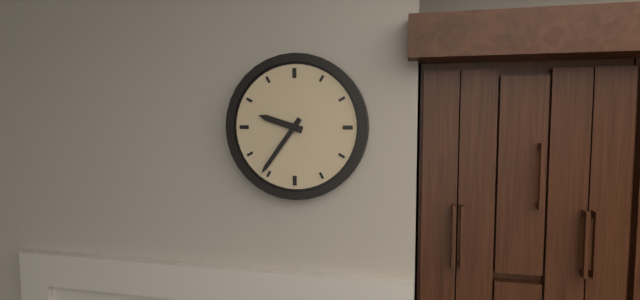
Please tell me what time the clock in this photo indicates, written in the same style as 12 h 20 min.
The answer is 9 h 36 min
